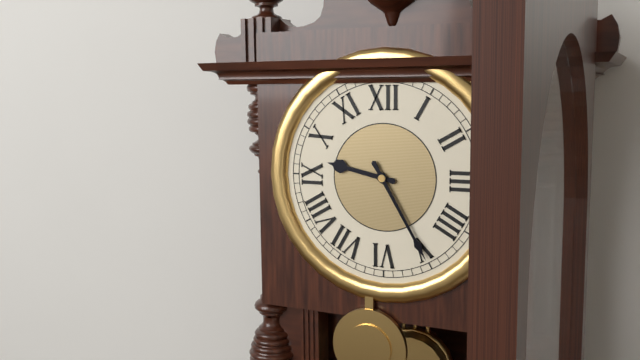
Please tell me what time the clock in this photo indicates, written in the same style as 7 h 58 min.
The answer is 9 h 25 min
